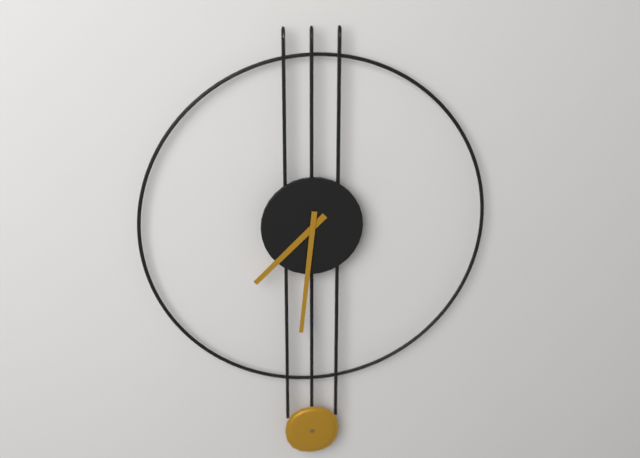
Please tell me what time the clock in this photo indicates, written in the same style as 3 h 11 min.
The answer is 7 h 31 min
